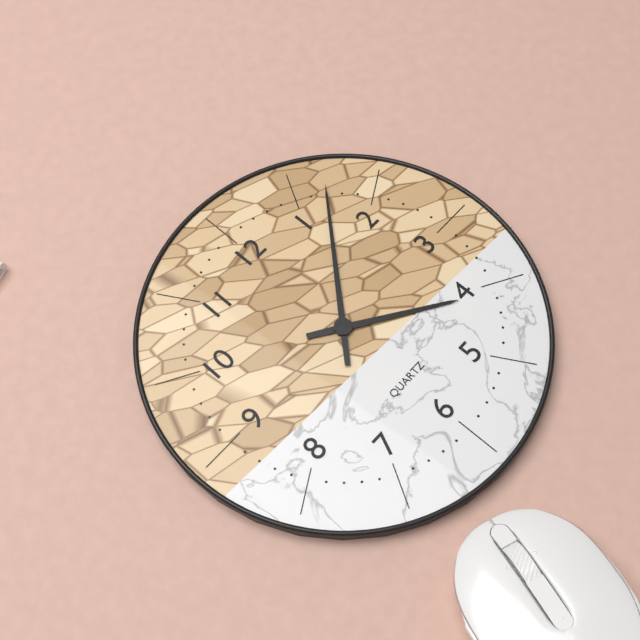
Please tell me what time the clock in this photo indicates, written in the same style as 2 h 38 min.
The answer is 4 h 07 min
